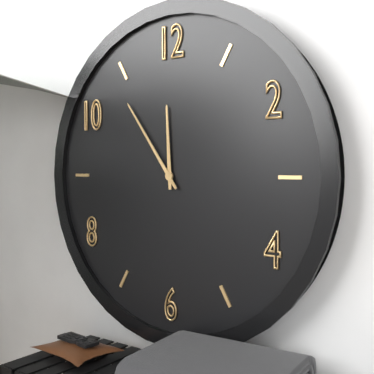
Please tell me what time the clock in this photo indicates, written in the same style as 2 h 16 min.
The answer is 11 h 54 min
